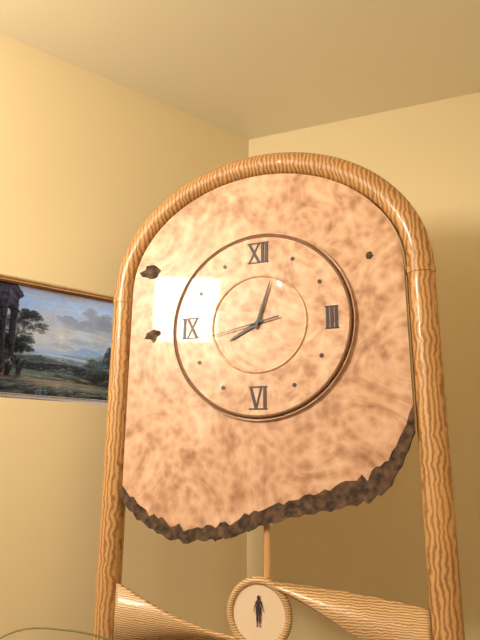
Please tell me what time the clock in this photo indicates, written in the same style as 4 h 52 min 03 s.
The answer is 8 h 03 min 43 s
